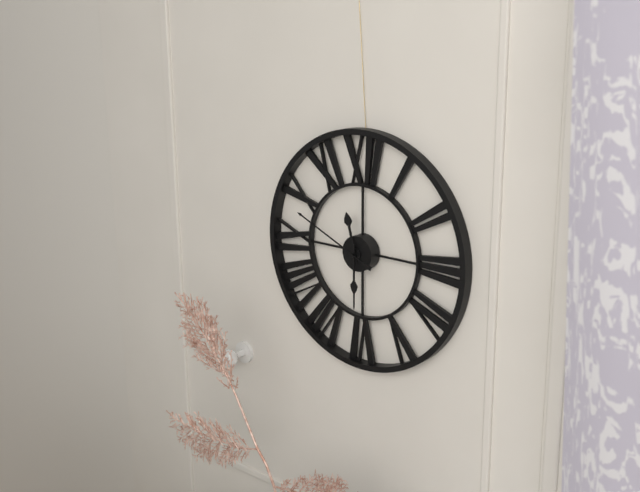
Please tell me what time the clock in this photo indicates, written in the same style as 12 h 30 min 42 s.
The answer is 11 h 30 min 49 s
